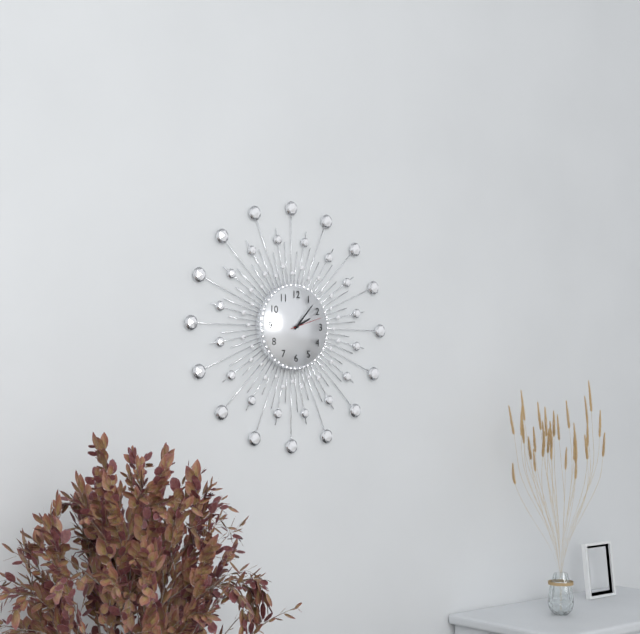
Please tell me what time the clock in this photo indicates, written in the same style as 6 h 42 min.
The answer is 2 h 07 min
